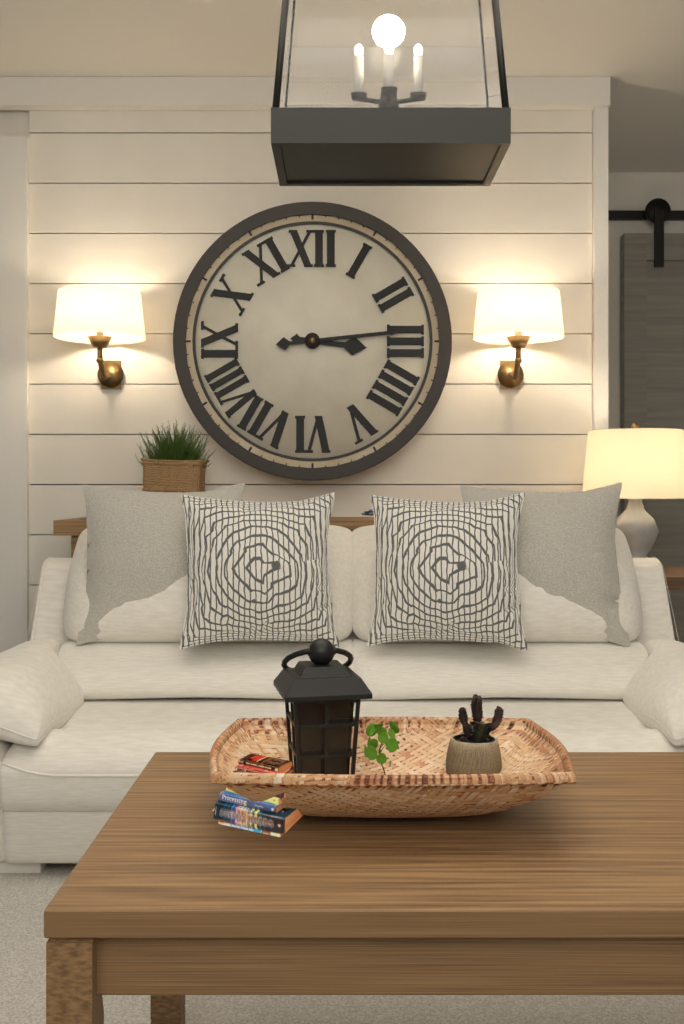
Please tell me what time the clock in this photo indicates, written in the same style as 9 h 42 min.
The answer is 3 h 14 min
